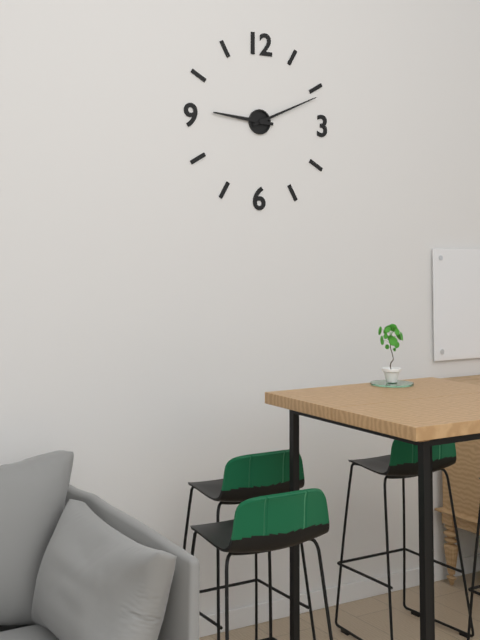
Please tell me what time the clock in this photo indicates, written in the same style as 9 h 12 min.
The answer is 9 h 11 min
